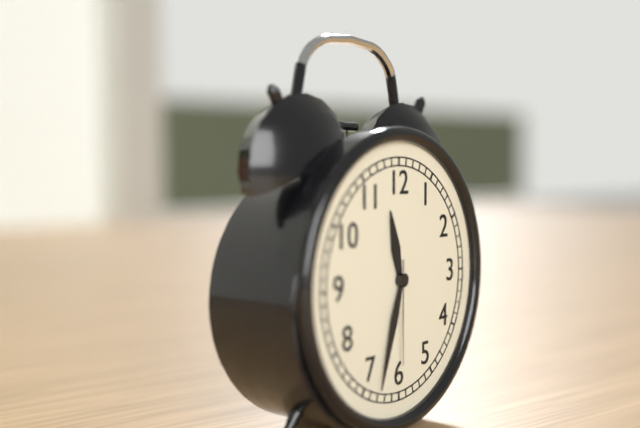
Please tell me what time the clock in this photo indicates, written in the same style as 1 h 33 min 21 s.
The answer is 11 h 33 min 30 s
